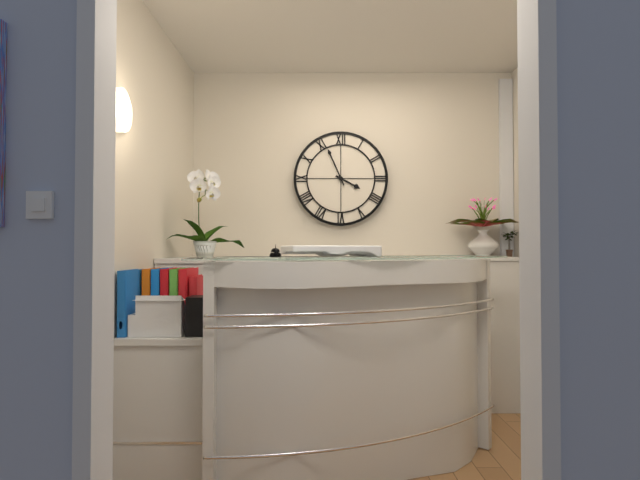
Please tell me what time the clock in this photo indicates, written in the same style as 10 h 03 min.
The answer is 3 h 56 min
